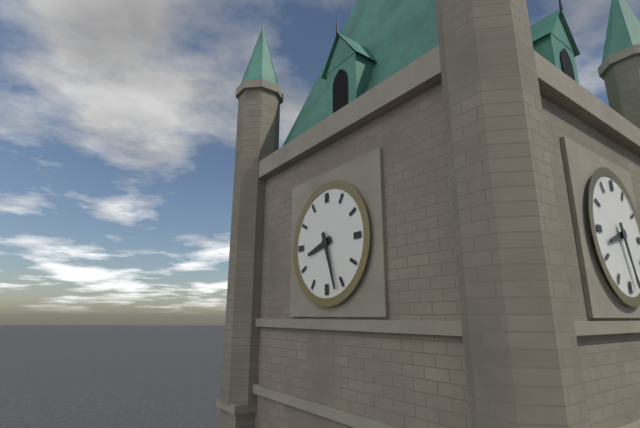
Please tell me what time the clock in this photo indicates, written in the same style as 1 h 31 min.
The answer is 8 h 27 min
